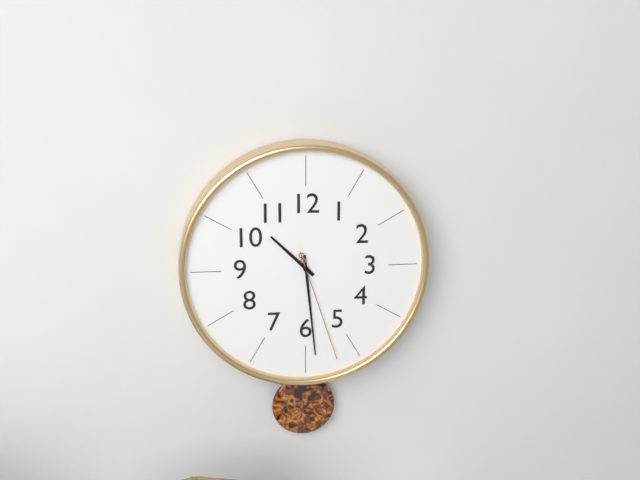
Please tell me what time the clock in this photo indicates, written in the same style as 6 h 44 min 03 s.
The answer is 10 h 29 min 27 s
